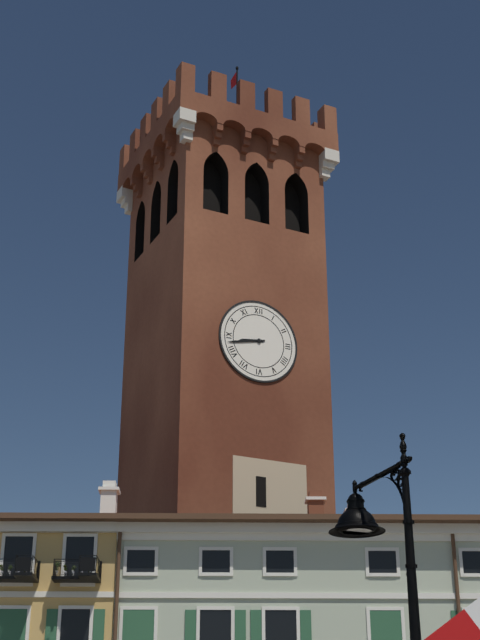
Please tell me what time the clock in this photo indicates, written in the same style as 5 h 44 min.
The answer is 8 h 43 min
